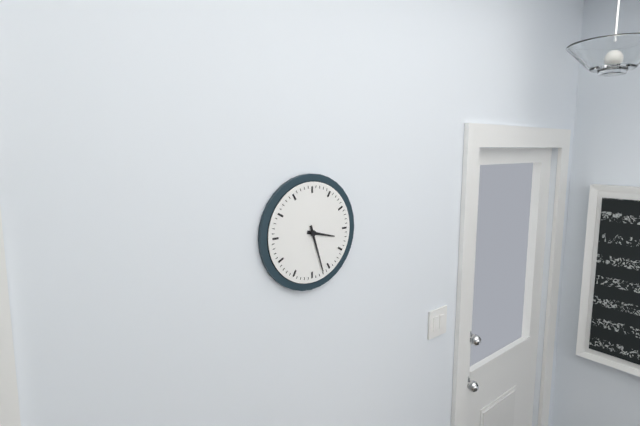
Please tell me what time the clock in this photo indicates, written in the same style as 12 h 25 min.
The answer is 3 h 27 min
